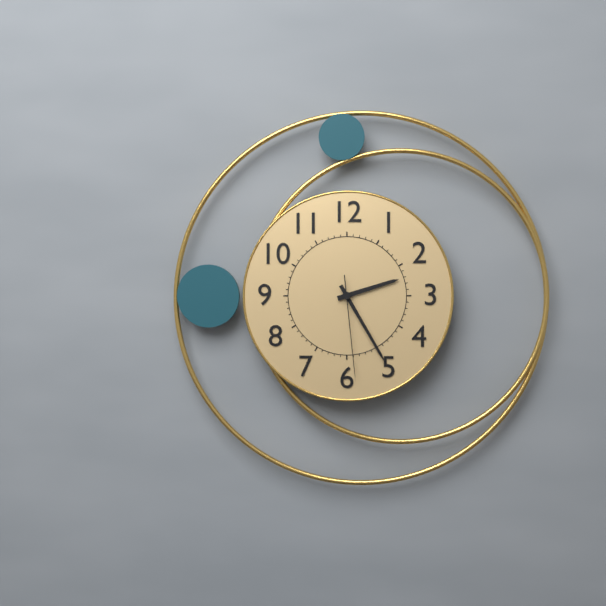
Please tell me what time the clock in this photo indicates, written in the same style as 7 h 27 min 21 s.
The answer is 2 h 25 min 29 s
